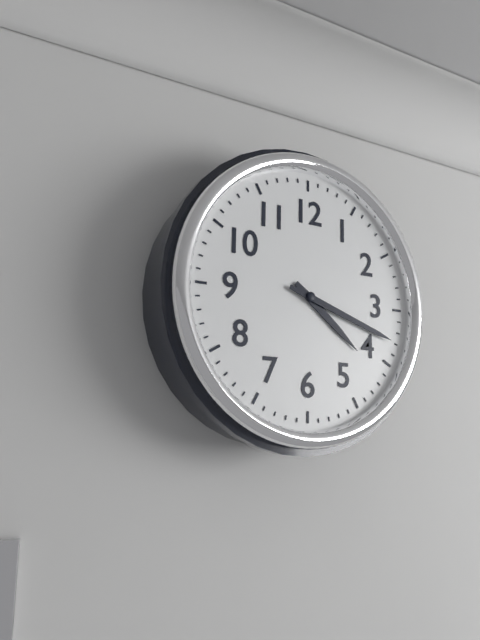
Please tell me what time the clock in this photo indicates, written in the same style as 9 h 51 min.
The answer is 4 h 18 min
